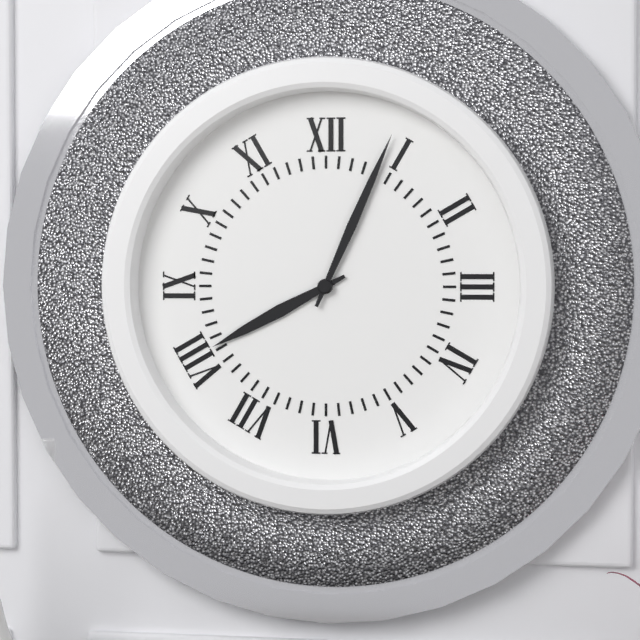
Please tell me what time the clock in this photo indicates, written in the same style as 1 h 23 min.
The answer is 8 h 04 min
